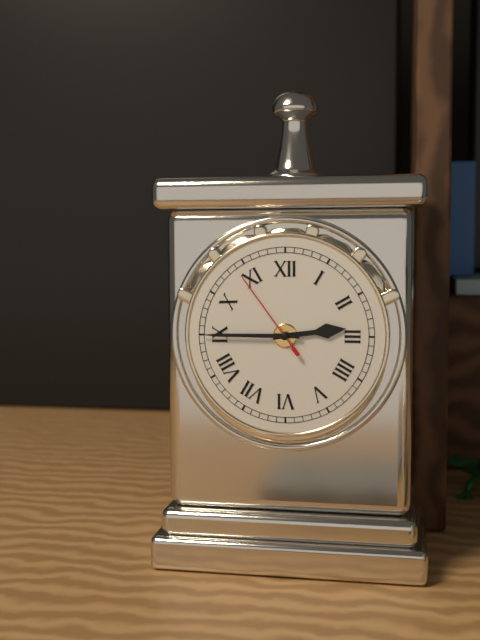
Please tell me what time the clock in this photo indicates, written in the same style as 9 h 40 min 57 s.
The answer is 2 h 45 min 54 s
